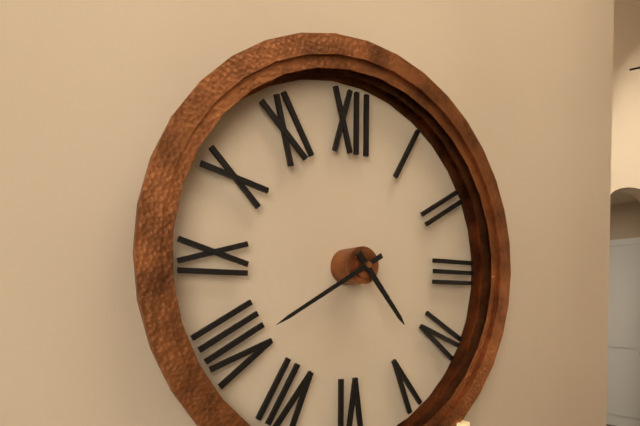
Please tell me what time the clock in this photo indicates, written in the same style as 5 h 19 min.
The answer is 4 h 40 min
